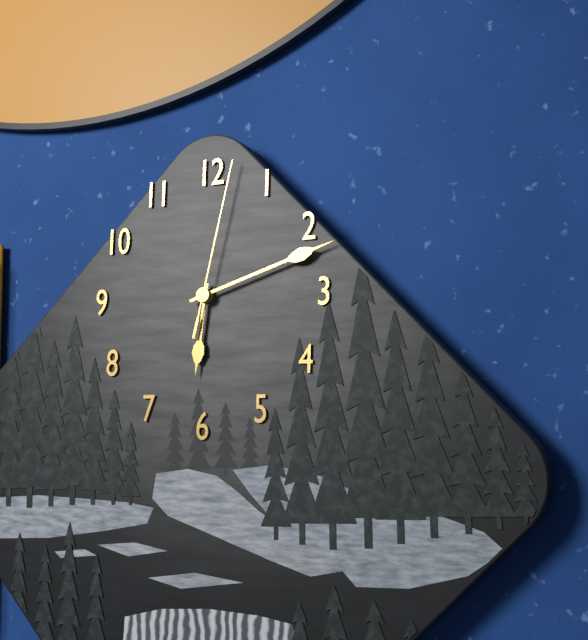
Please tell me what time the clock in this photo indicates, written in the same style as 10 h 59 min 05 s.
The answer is 6 h 12 min 02 s
